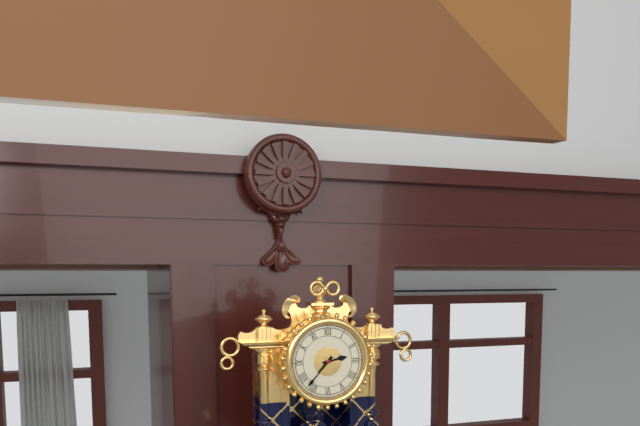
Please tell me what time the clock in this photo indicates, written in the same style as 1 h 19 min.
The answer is 2 h 37 min
